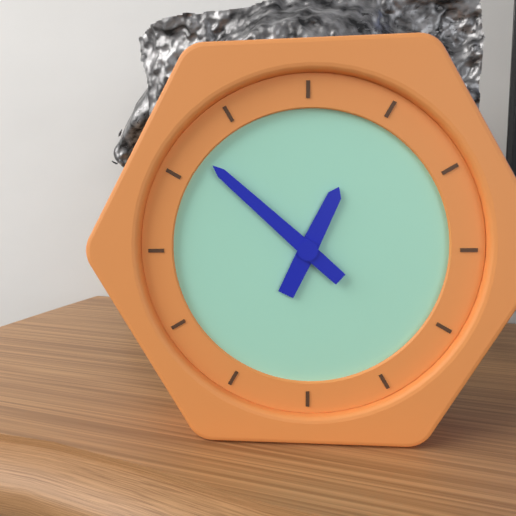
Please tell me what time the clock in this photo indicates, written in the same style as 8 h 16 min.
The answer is 12 h 52 min
